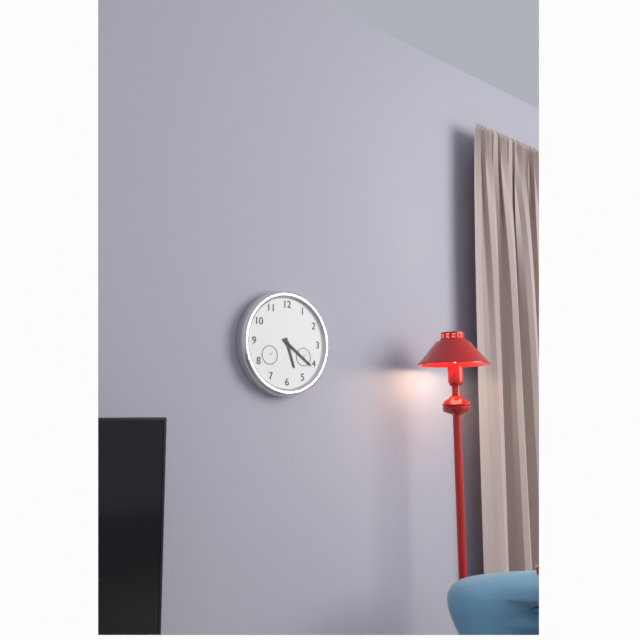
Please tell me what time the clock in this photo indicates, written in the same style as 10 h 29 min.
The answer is 5 h 21 min
